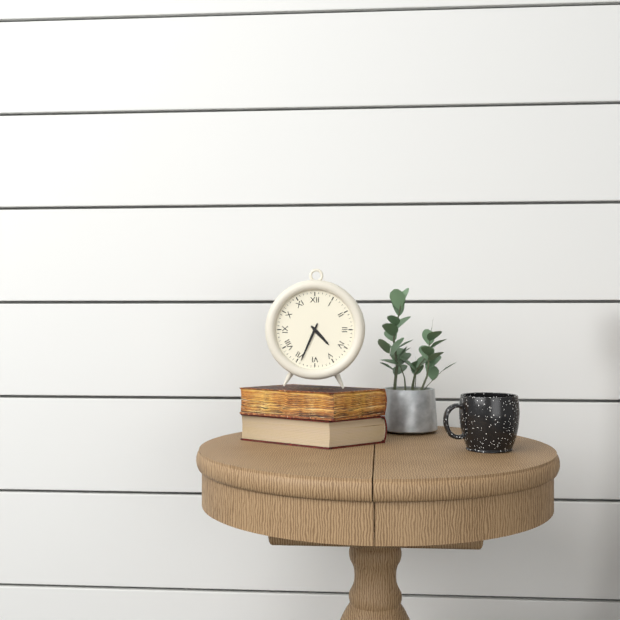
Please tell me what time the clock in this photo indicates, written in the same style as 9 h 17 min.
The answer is 4 h 34 min
